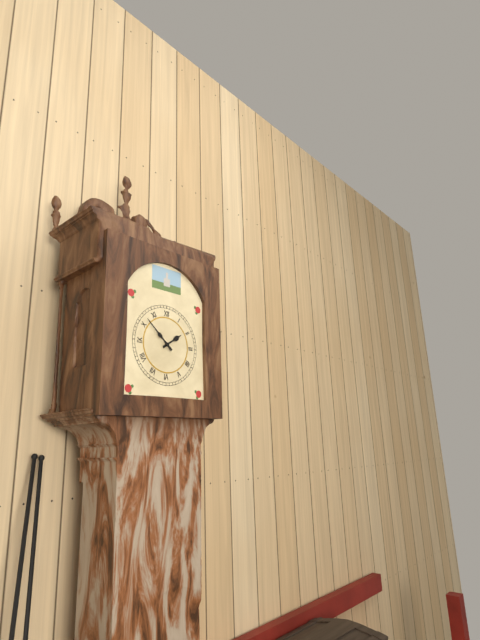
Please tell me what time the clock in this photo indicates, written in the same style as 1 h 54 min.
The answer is 1 h 52 min
